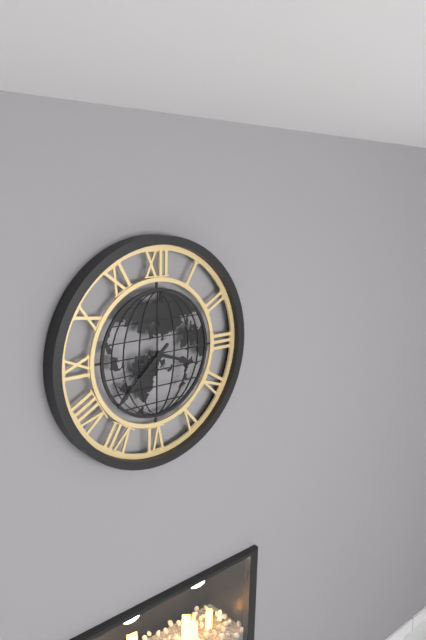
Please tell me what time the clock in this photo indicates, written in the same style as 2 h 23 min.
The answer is 3 h 38 min
